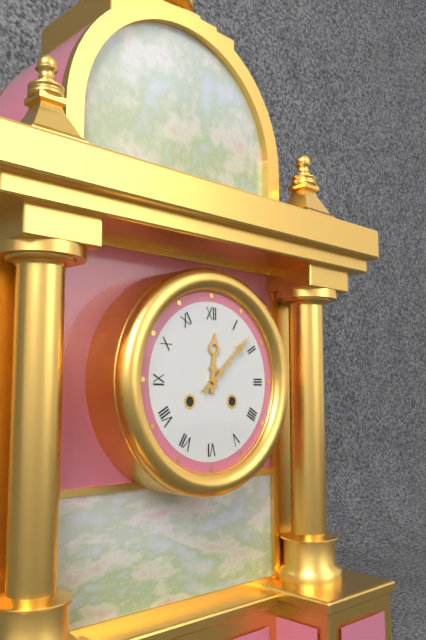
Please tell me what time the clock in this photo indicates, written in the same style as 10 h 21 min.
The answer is 12 h 08 min
